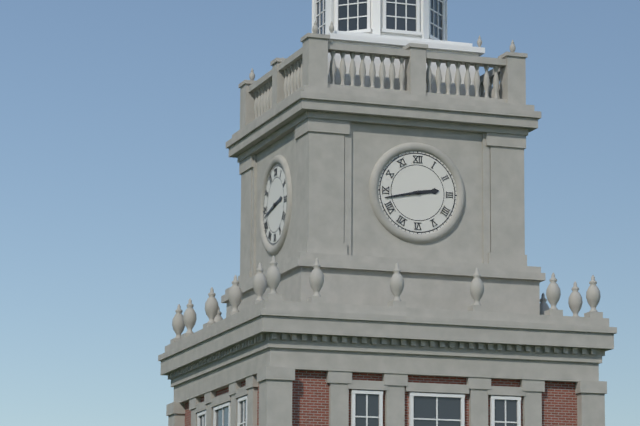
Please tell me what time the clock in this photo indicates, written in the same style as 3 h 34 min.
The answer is 2 h 43 min
